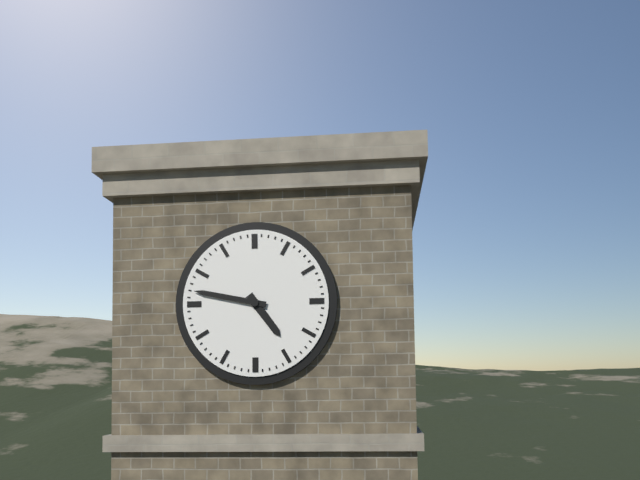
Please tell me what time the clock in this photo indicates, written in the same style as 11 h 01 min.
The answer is 4 h 47 min
